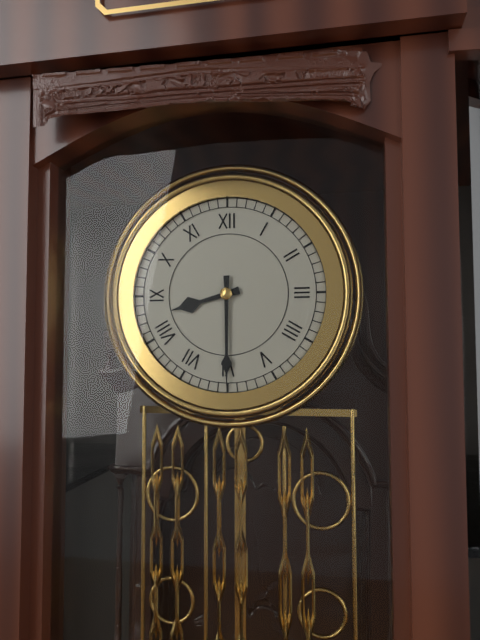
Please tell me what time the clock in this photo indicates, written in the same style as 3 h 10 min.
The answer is 8 h 30 min
